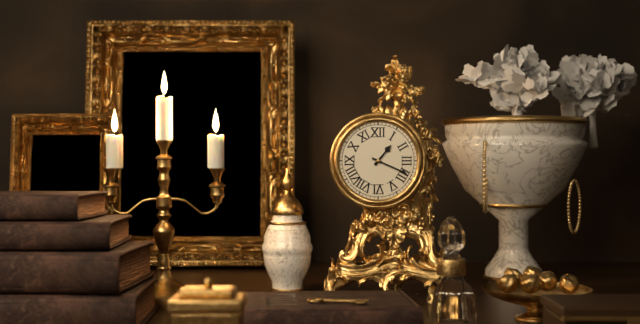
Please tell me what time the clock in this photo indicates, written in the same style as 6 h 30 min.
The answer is 1 h 19 min
